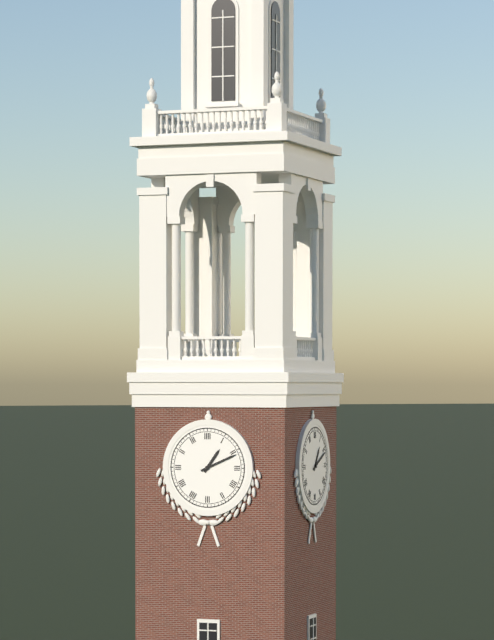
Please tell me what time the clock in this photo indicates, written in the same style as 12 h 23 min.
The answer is 1 h 11 min
